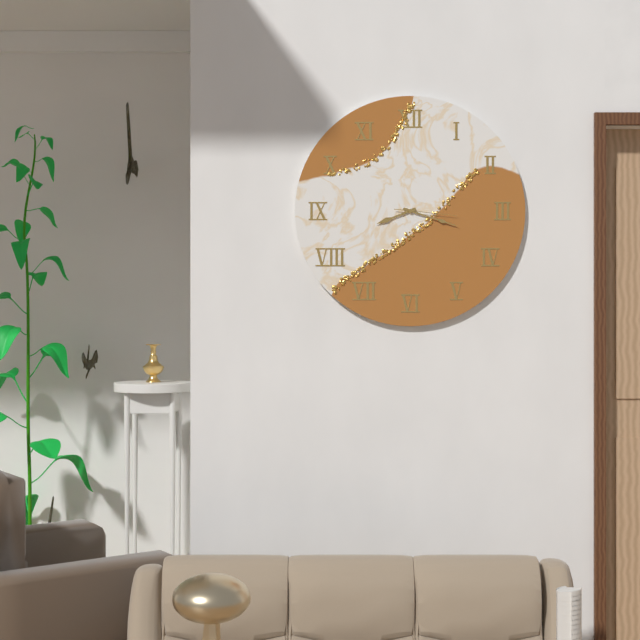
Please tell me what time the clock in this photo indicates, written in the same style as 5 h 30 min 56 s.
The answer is 8 h 18 min 16 s
